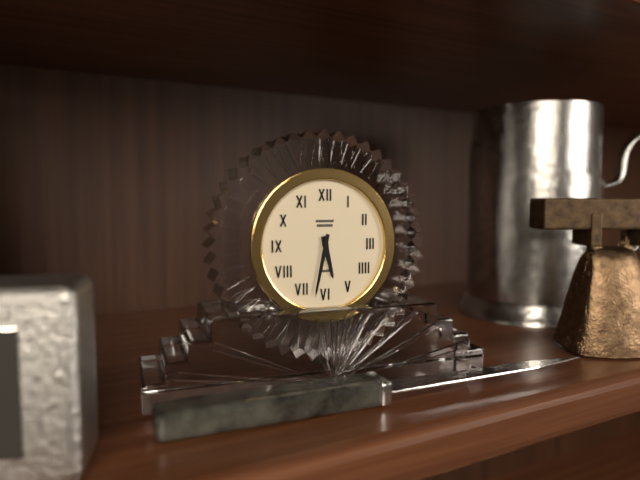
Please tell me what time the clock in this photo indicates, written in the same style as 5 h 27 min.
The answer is 5 h 32 min
